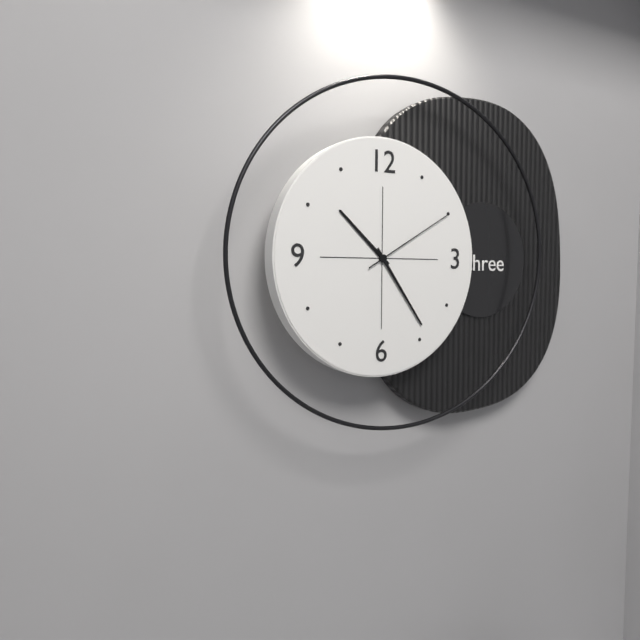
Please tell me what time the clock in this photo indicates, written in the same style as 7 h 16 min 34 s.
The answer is 10 h 24 min 10 s
